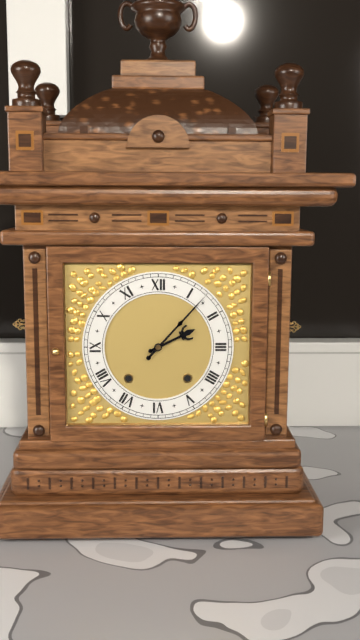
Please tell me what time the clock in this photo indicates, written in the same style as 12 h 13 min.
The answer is 2 h 07 min
